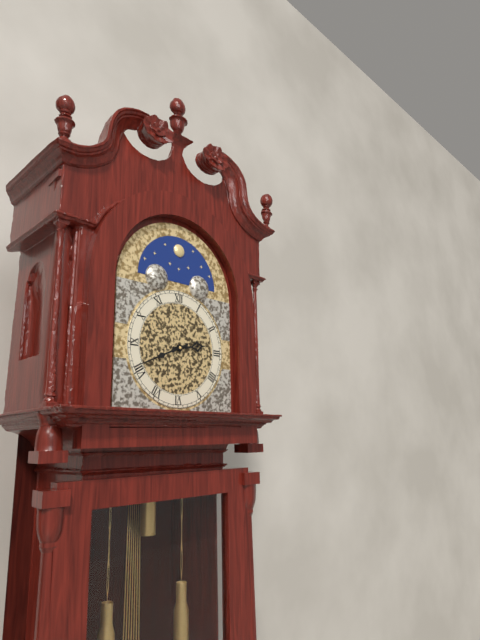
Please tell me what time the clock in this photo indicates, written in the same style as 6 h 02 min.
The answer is 2 h 41 min
